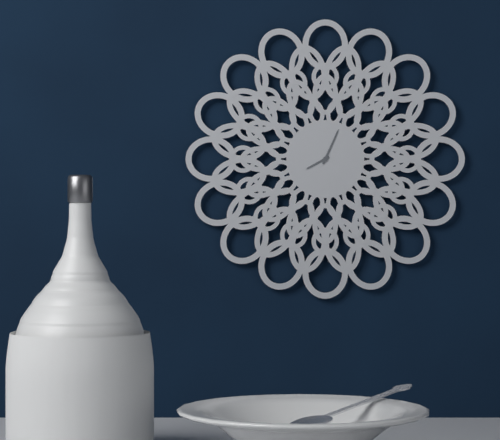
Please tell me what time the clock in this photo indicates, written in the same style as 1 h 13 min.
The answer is 8 h 04 min
